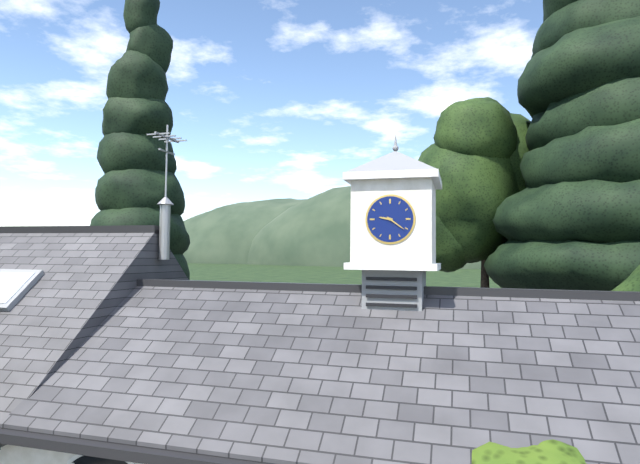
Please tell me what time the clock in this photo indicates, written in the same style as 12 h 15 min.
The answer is 9 h 21 min
